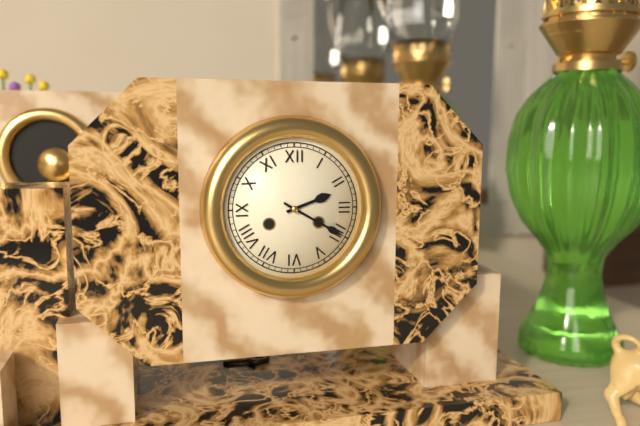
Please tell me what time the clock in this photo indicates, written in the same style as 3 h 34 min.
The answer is 2 h 20 min
